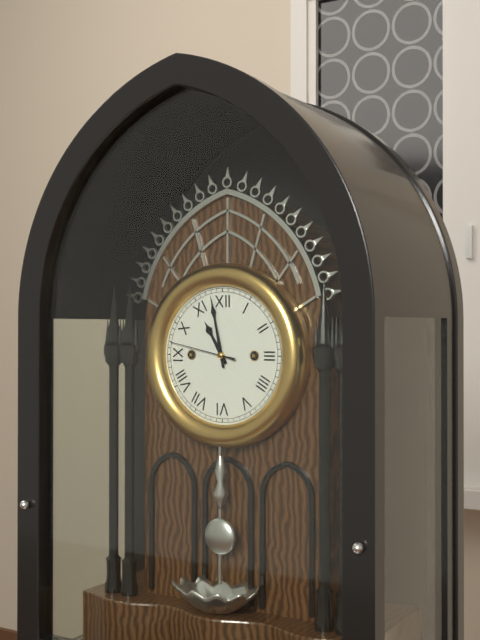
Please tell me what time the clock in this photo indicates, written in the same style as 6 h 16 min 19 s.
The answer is 10 h 58 min 47 s
